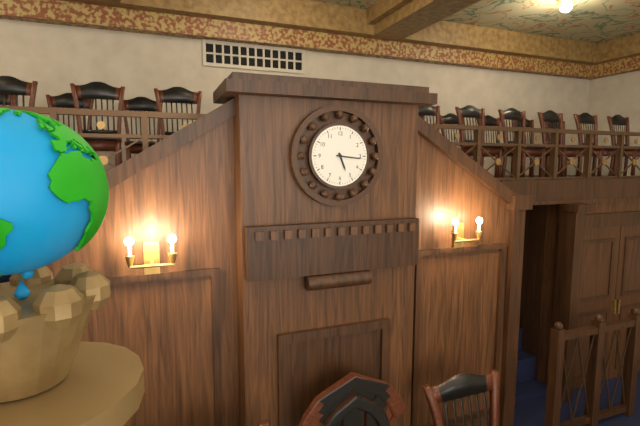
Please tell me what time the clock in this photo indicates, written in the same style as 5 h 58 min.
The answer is 5 h 16 min
